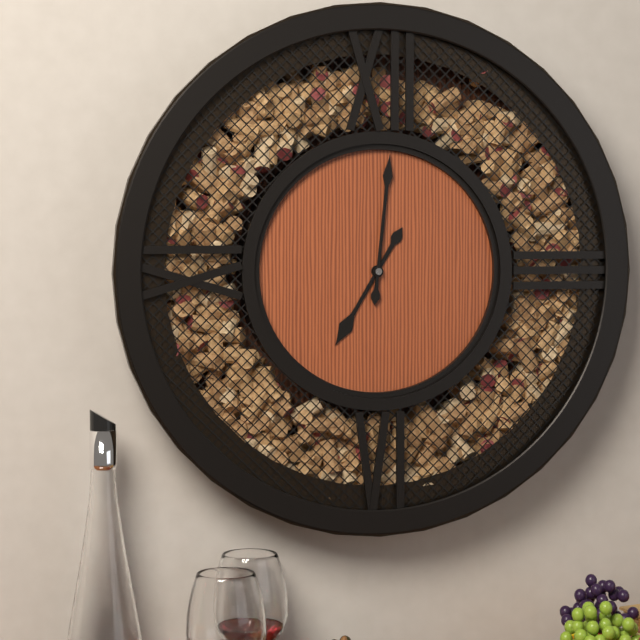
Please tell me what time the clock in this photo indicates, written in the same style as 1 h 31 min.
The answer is 7 h 01 min
